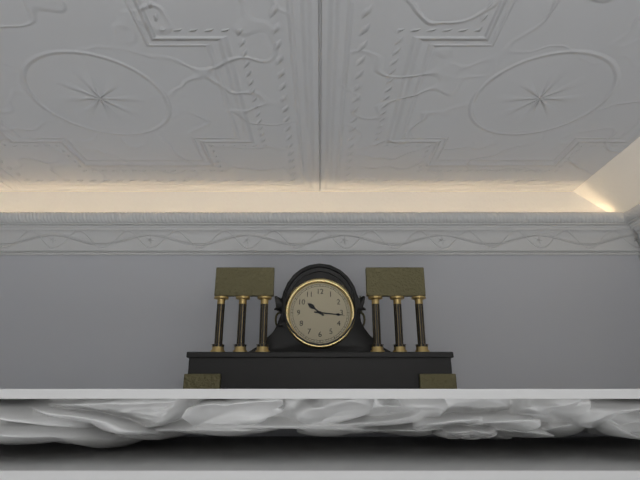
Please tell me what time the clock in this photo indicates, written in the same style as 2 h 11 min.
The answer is 10 h 16 min
